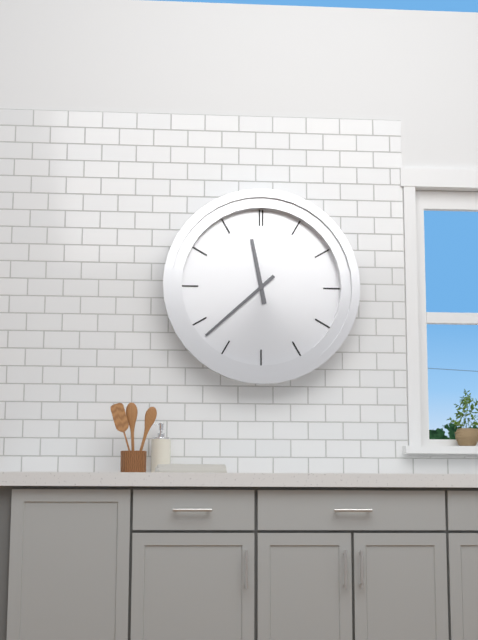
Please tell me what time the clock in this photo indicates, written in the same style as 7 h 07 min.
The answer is 11 h 38 min
